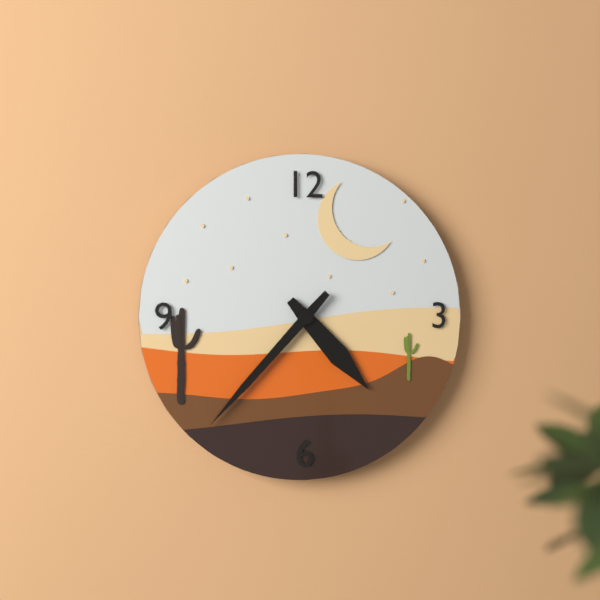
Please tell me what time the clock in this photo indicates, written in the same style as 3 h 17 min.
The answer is 4 h 37 min
